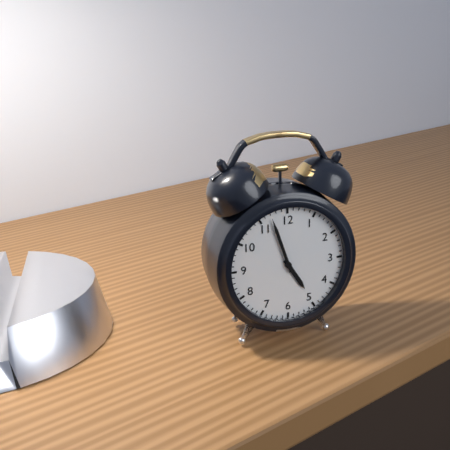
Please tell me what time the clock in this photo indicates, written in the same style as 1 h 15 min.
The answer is 4 h 57 min
